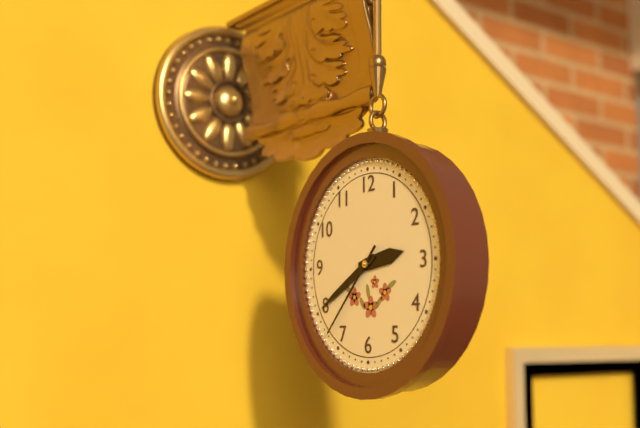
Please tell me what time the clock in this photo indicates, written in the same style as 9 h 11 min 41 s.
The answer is 2 h 40 min 37 s
